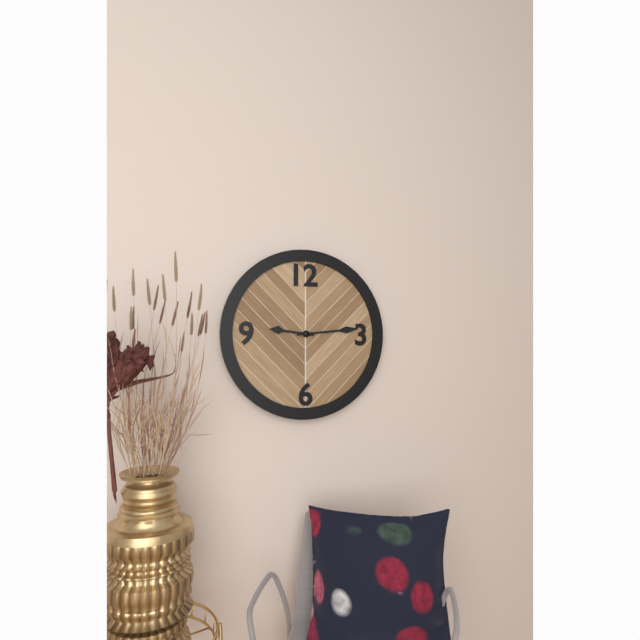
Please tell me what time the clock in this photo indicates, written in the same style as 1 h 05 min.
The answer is 9 h 14 min
